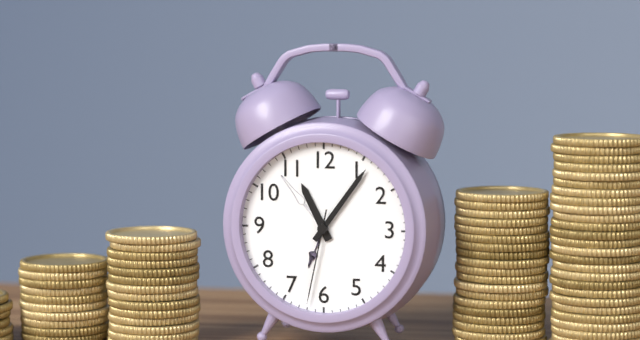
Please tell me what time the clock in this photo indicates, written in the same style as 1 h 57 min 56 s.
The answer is 11 h 06 min 32 s
